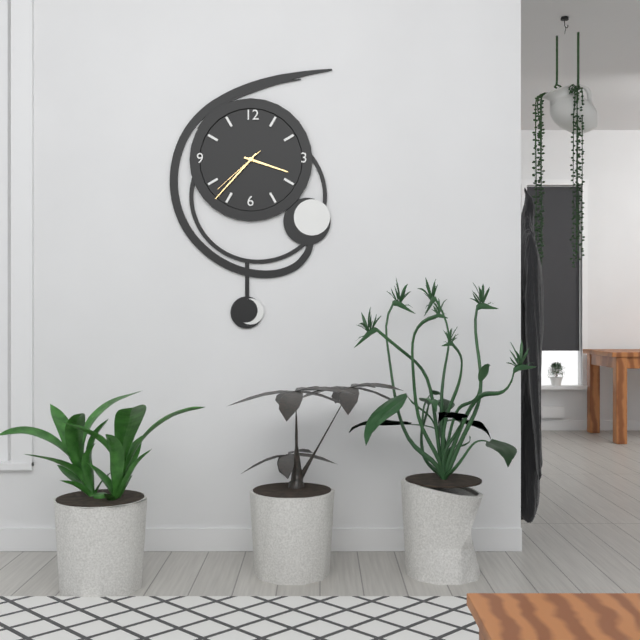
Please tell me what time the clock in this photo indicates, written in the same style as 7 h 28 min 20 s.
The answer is 3 h 37 min 38 s
